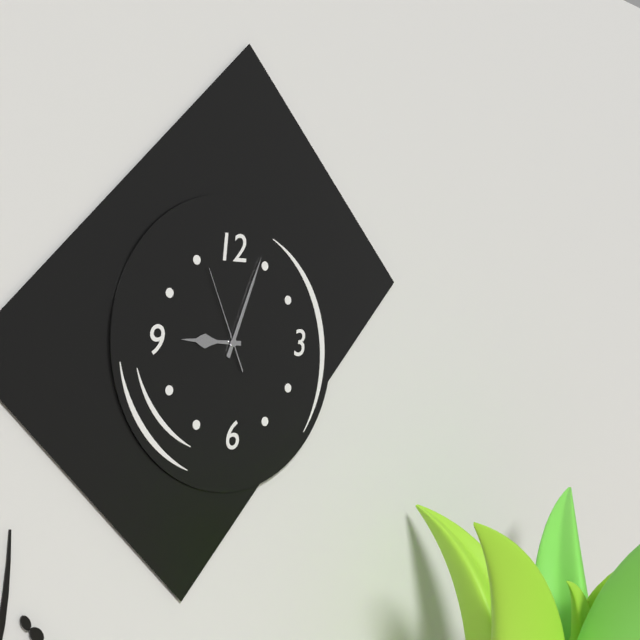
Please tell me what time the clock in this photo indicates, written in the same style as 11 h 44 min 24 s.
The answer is 9 h 04 min 56 s
